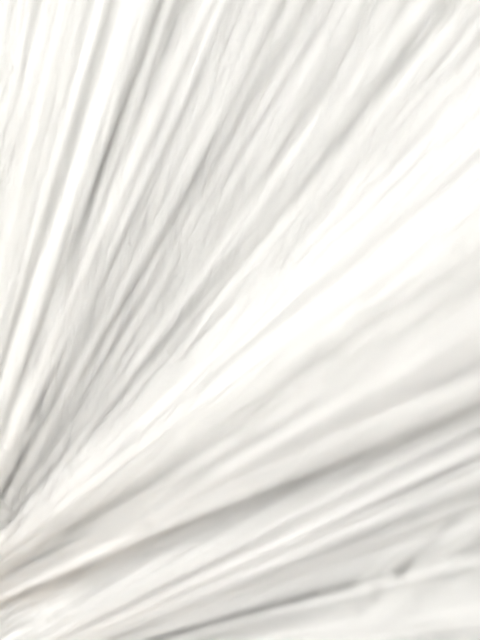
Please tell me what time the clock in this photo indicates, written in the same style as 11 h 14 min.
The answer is 8 h 22 min
